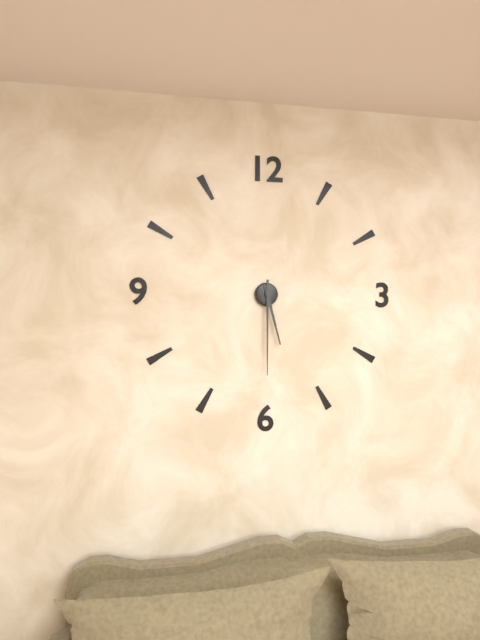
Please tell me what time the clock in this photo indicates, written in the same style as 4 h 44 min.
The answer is 5 h 30 min
